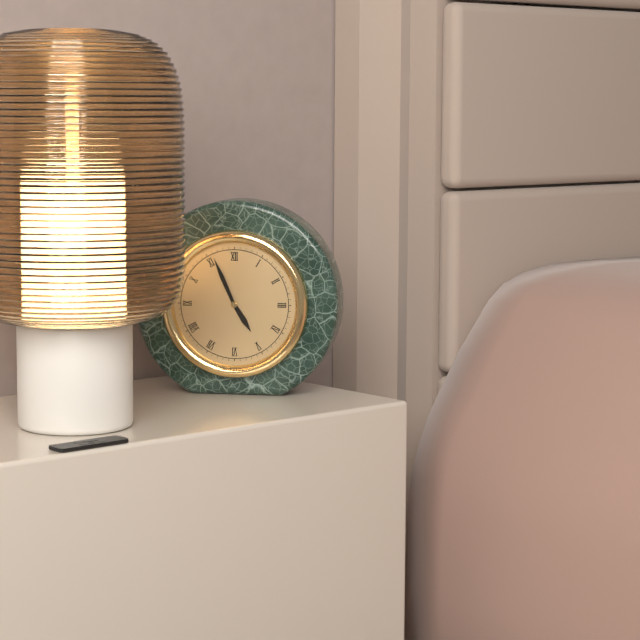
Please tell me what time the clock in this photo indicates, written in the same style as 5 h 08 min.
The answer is 4 h 56 min
